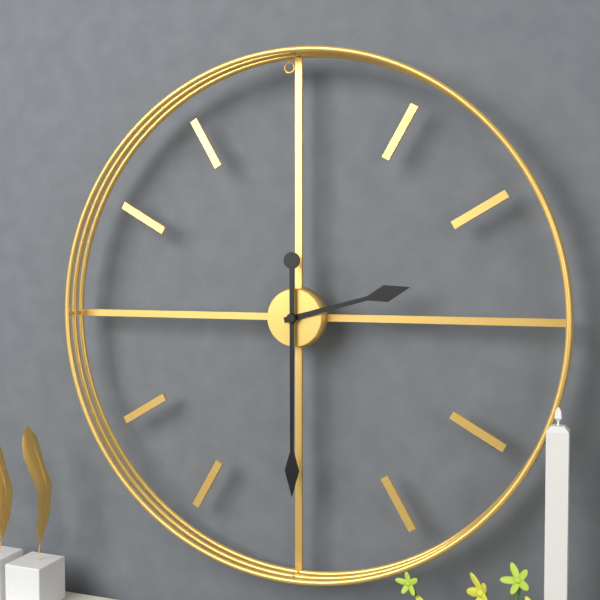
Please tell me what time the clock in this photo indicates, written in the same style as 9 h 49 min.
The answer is 2 h 30 min
